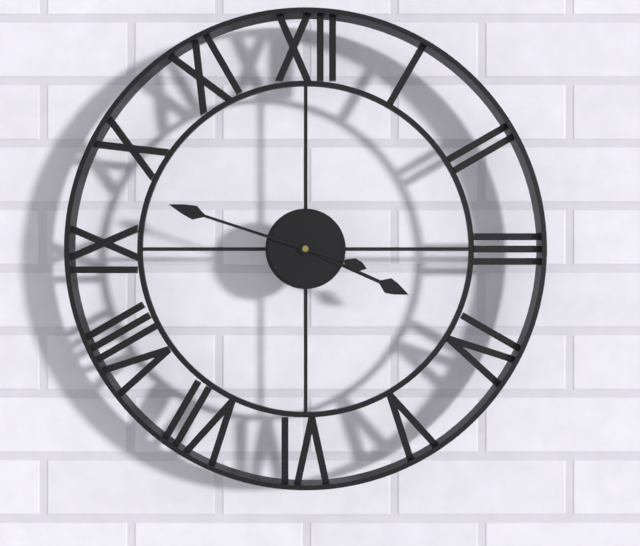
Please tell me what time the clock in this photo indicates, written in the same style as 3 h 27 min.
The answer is 3 h 48 min
